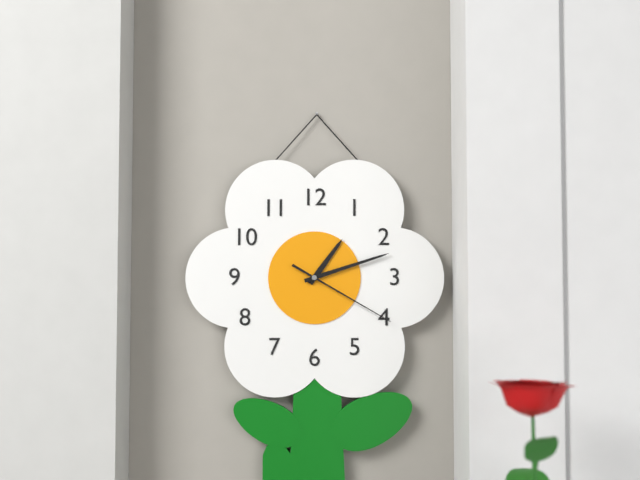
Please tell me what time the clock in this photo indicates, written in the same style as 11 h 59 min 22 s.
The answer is 1 h 12 min 20 s
